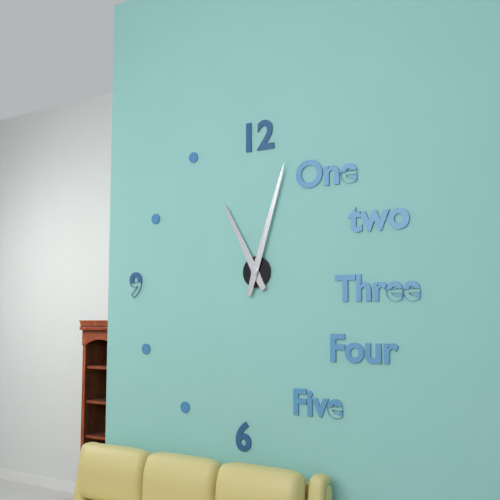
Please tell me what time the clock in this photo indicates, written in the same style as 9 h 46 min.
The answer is 11 h 03 min
